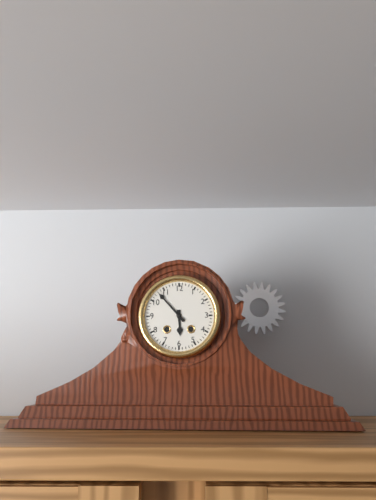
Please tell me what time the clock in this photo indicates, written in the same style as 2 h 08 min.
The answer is 5 h 53 min
